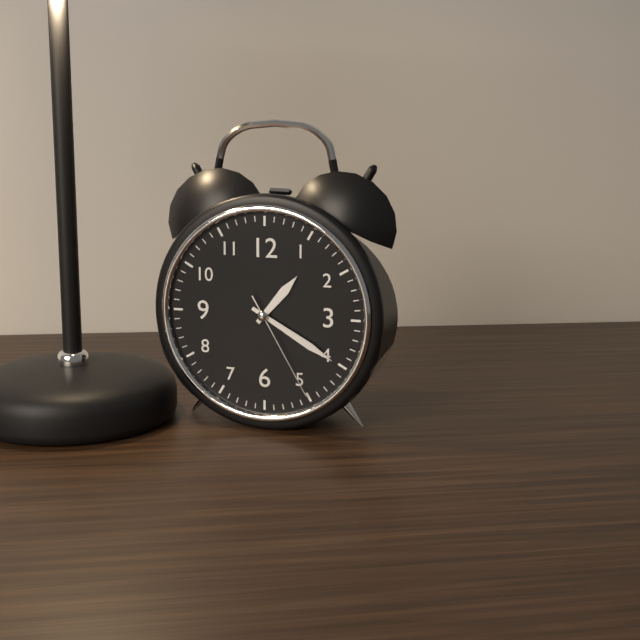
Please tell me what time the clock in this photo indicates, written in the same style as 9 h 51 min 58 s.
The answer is 1 h 20 min 25 s
